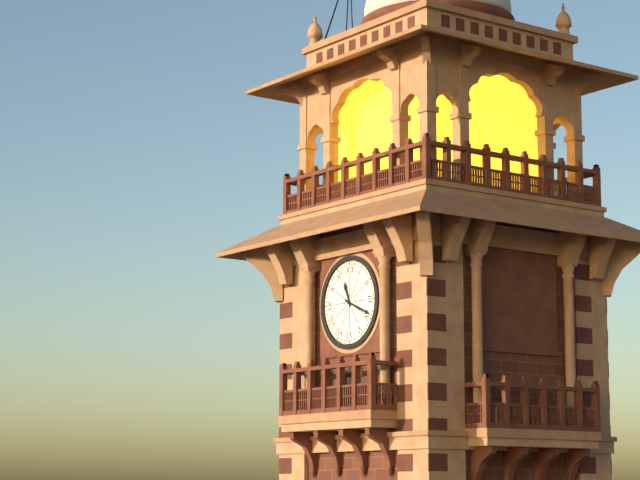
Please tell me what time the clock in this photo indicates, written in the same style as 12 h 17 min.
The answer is 11 h 19 min
